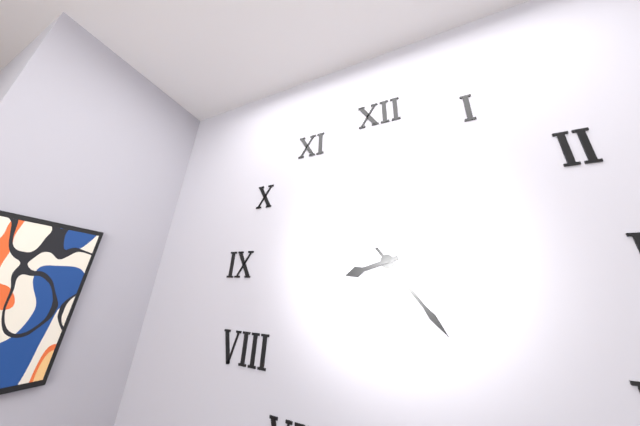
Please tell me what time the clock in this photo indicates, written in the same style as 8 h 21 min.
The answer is 8 h 24 min
